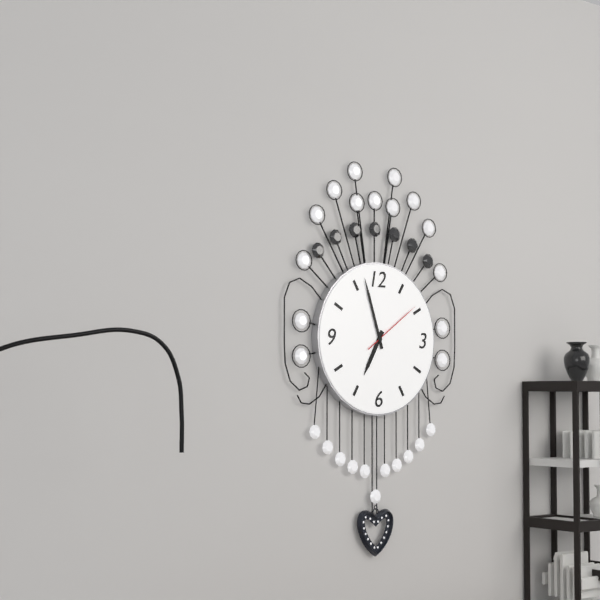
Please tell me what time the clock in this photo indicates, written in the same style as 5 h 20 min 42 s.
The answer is 6 h 57 min 09 s
